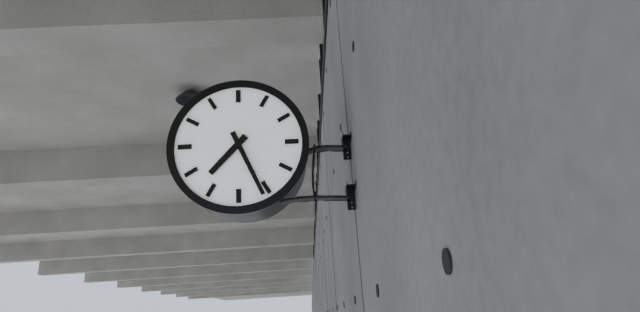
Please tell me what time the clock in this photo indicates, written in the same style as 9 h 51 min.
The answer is 7 h 26 min
